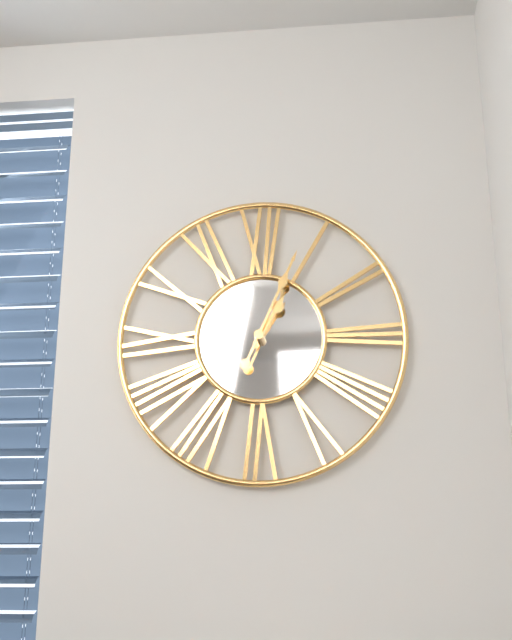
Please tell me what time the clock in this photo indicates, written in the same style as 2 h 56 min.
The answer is 1 h 04 min
